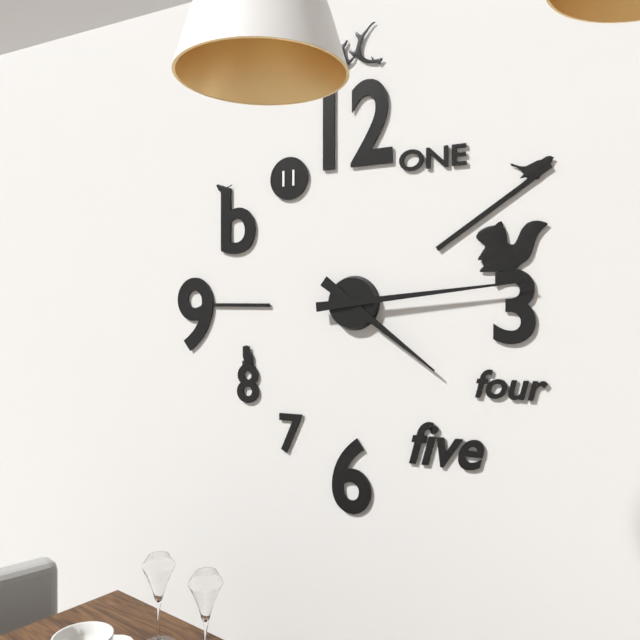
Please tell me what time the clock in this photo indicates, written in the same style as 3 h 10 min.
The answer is 4 h 14 min
